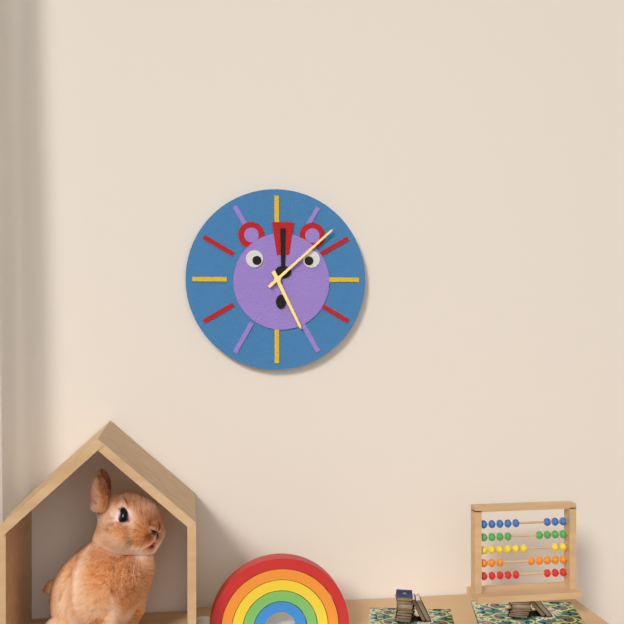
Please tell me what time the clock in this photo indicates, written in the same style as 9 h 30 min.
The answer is 5 h 08 min
